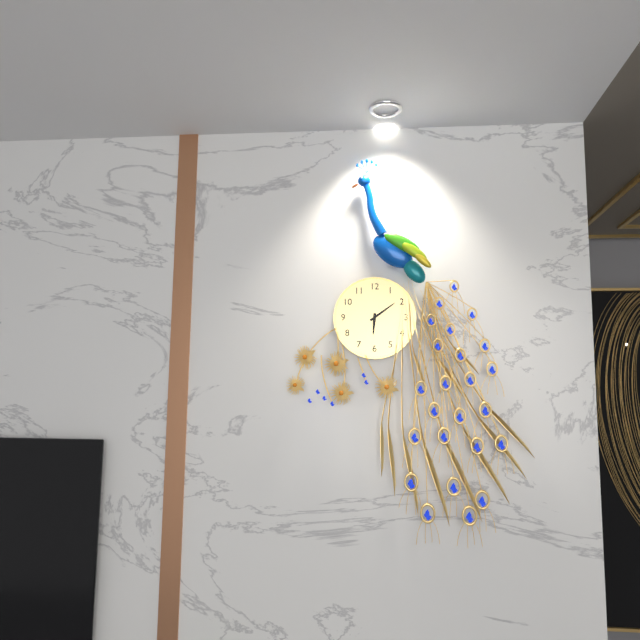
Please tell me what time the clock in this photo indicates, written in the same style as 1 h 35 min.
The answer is 6 h 09 min
